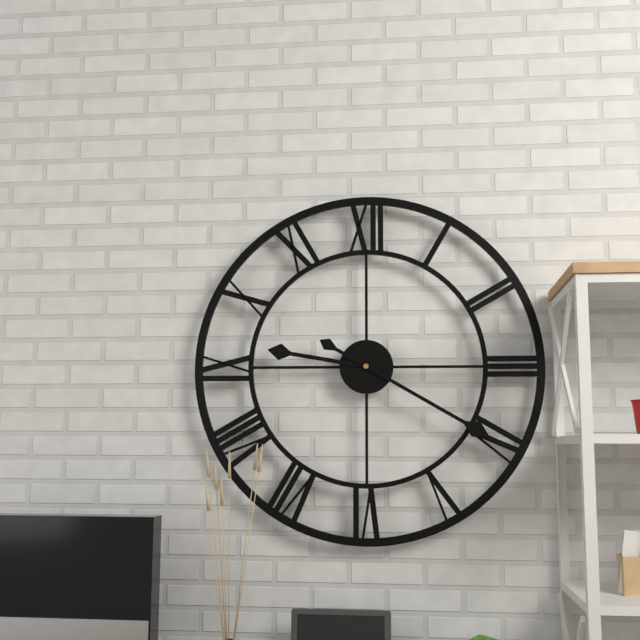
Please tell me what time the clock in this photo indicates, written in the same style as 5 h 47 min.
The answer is 9 h 20 min
